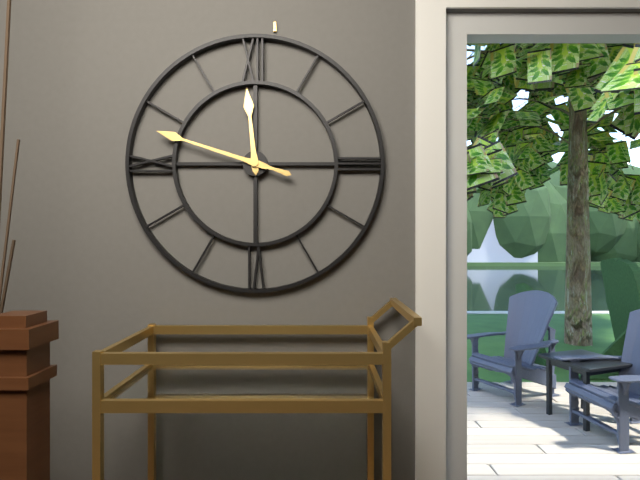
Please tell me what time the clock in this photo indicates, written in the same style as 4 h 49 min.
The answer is 11 h 48 min
